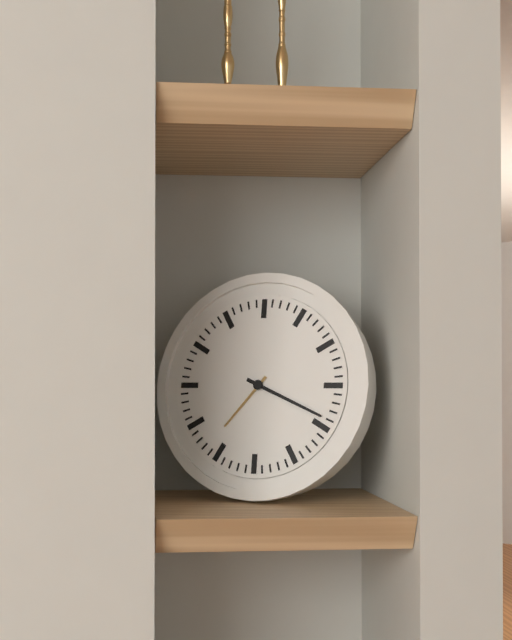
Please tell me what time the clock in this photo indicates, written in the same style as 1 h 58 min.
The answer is 7 h 19 min
